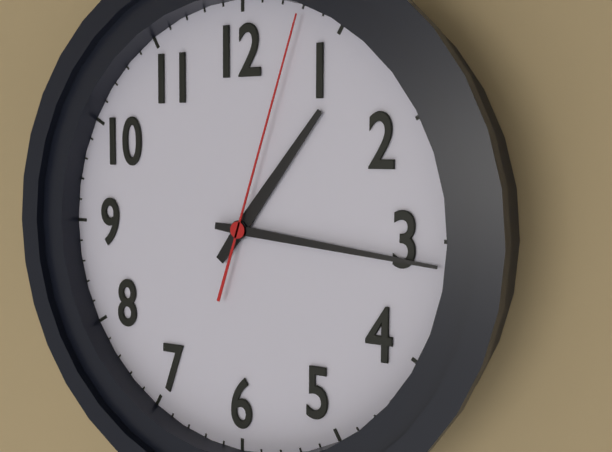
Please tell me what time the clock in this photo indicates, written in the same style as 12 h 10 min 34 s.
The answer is 1 h 16 min 03 s
